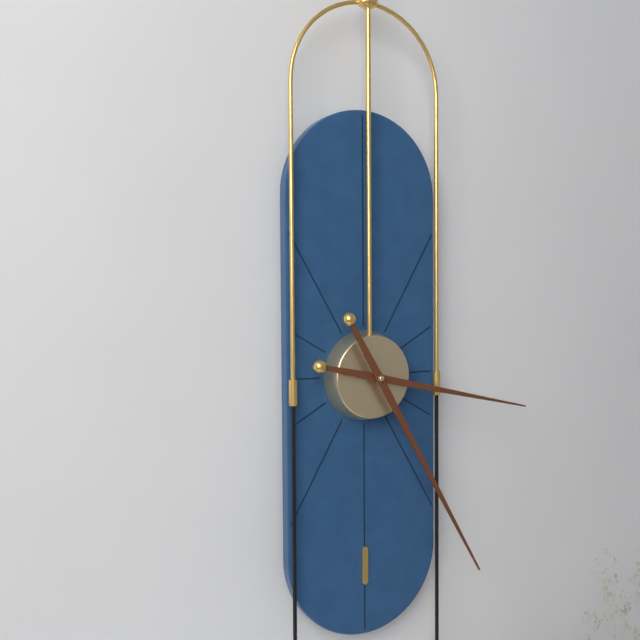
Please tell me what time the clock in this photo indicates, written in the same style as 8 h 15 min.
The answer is 3 h 25 min
